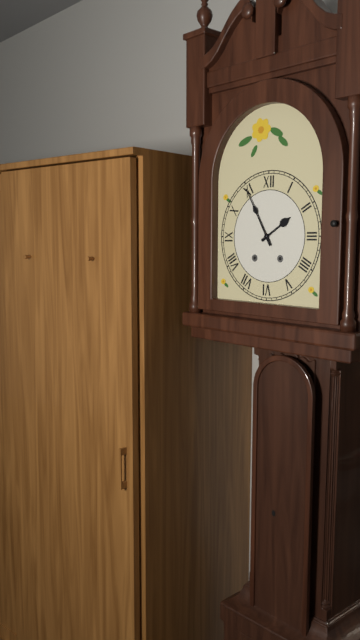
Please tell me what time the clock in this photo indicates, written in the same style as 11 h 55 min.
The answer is 1 h 55 min
